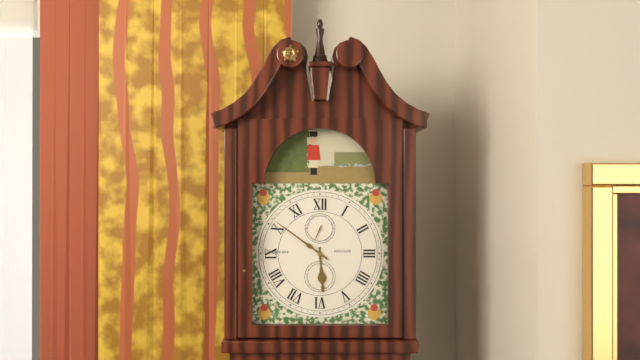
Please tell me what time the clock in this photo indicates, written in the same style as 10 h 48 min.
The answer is 5 h 51 min
